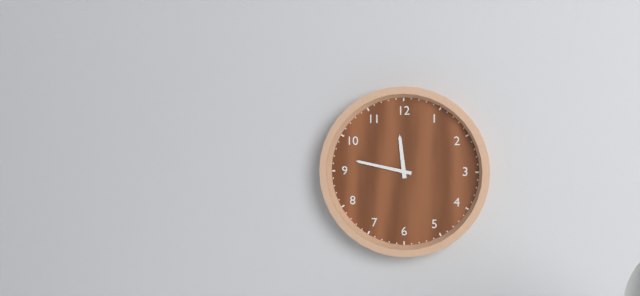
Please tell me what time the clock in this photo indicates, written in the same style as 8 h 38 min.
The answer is 11 h 47 min
